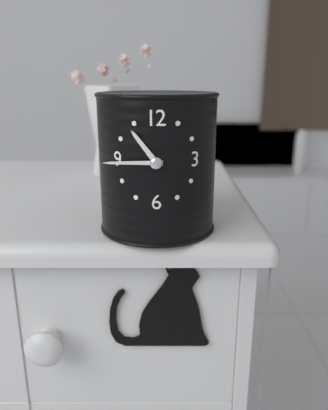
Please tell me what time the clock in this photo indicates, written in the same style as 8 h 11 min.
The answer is 10 h 45 min
